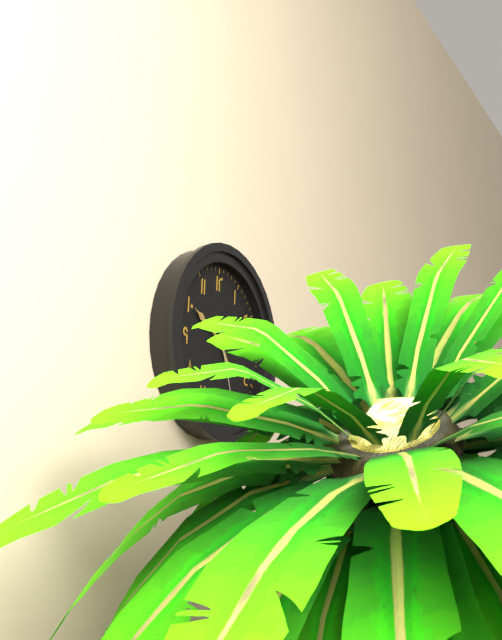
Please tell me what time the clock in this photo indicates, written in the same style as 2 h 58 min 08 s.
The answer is 4 h 50 min 27 s
